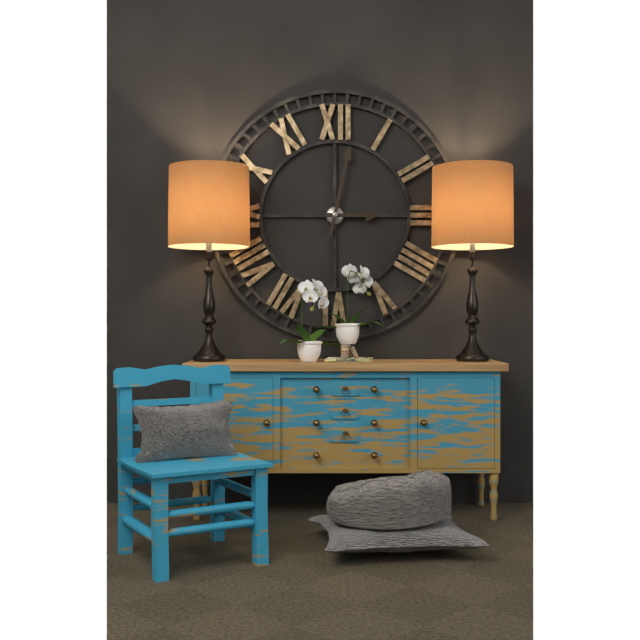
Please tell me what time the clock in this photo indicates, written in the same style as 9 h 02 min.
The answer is 3 h 02 min
